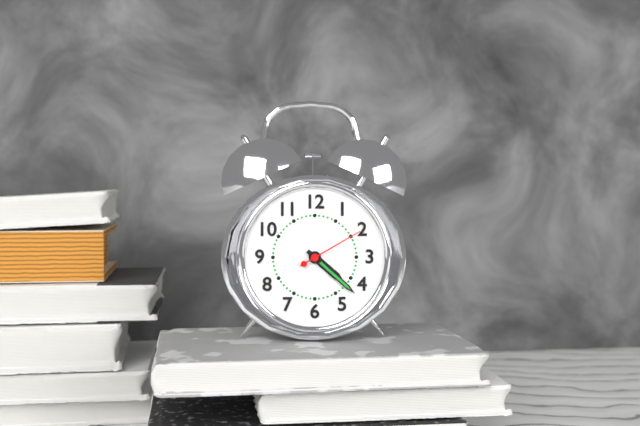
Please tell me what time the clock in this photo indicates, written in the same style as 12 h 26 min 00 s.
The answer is 4 h 22 min 10 s
